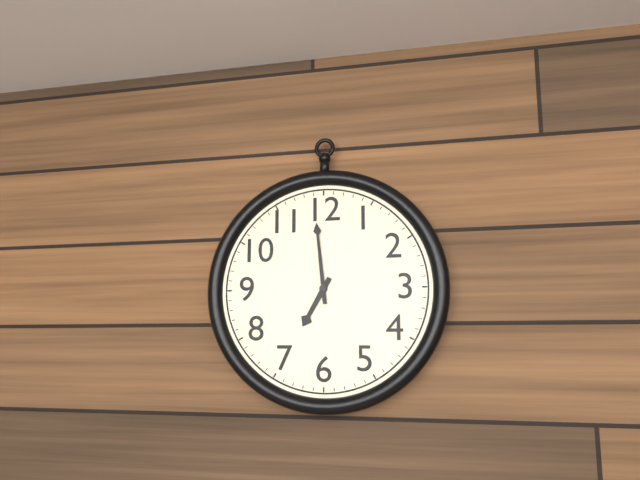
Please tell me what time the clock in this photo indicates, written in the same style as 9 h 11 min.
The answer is 6 h 59 min
